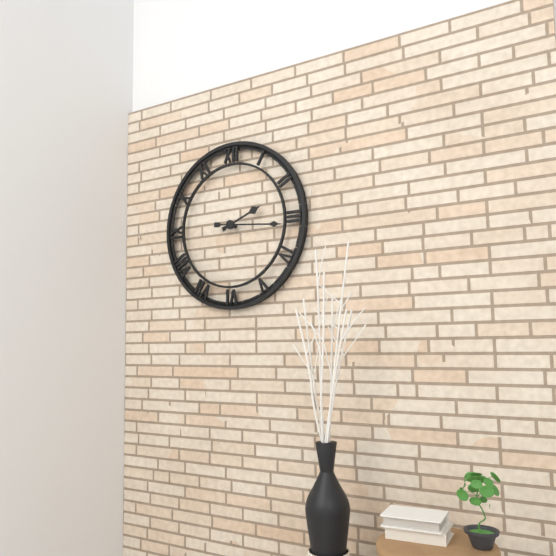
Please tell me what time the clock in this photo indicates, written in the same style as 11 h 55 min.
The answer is 2 h 16 min
